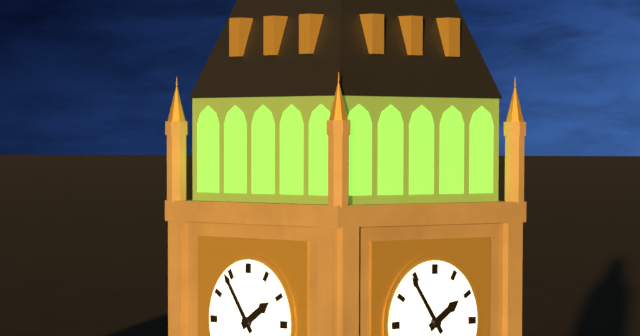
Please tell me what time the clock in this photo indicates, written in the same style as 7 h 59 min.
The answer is 1 h 54 min
